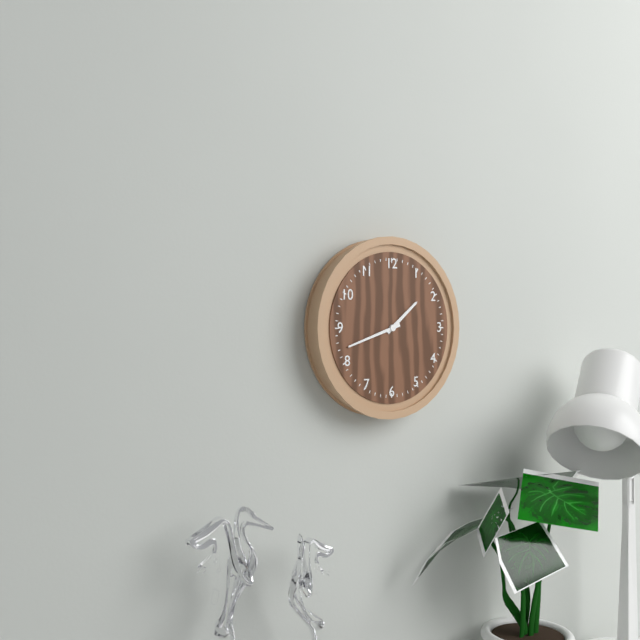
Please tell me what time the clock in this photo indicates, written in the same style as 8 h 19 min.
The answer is 1 h 42 min
